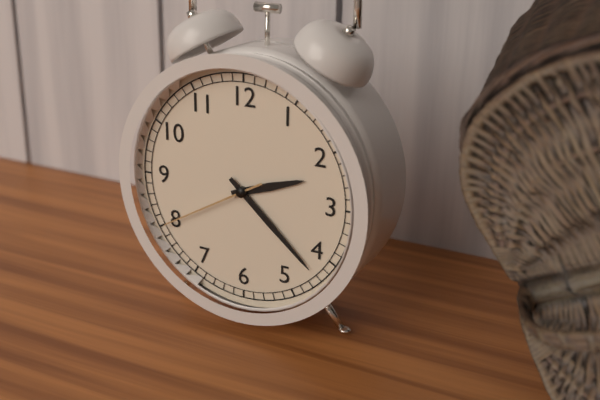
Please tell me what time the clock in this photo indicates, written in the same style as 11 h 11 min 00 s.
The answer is 2 h 22 min 40 s
